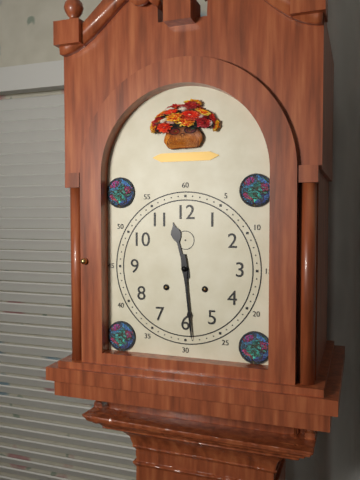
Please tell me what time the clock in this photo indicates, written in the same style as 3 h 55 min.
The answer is 11 h 29 min
